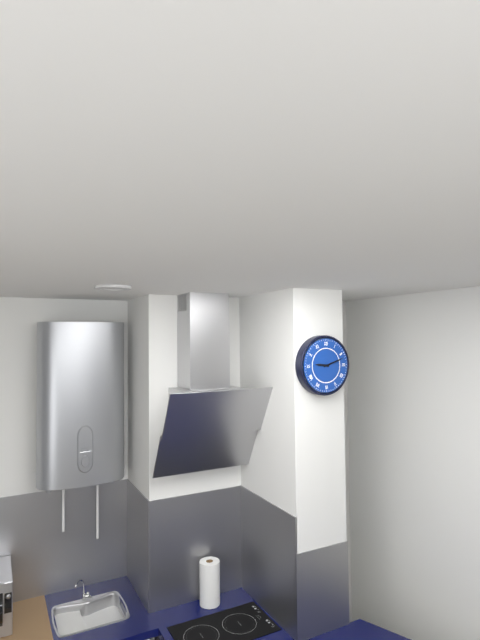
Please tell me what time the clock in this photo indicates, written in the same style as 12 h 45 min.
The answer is 9 h 12 min
